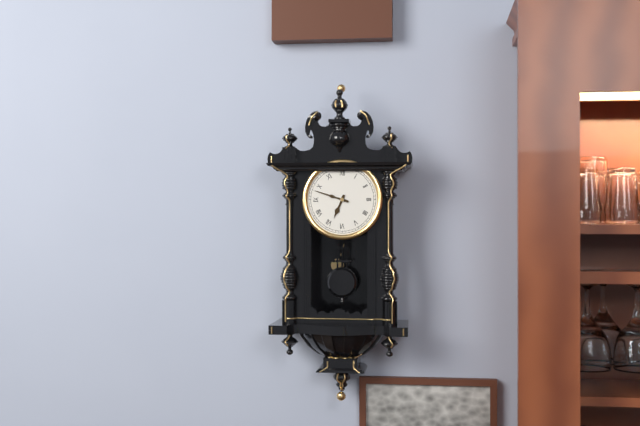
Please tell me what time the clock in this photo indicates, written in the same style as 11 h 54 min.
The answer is 6 h 48 min
